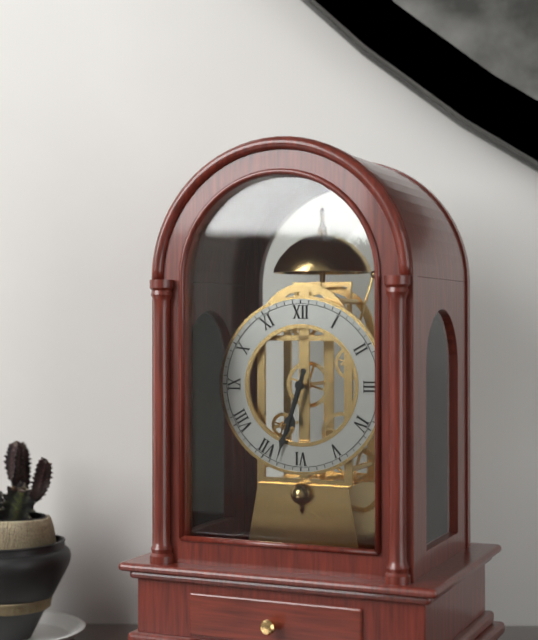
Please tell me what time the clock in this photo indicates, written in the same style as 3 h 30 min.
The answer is 6 h 33 min
